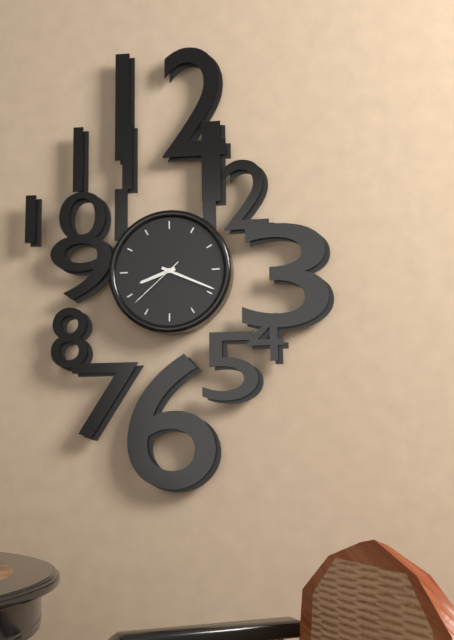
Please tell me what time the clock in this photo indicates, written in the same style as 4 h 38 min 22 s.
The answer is 8 h 19 min 38 s
